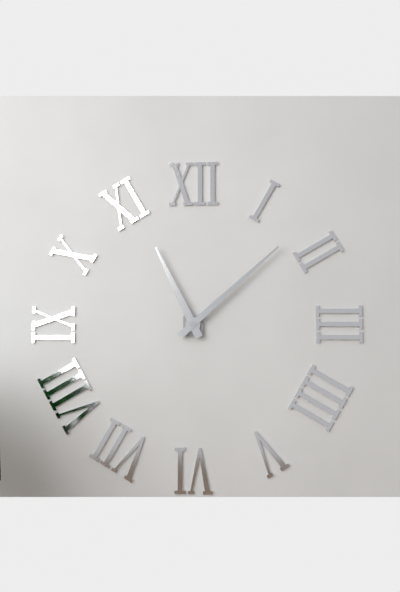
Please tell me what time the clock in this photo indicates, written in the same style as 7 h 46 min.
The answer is 11 h 08 min
